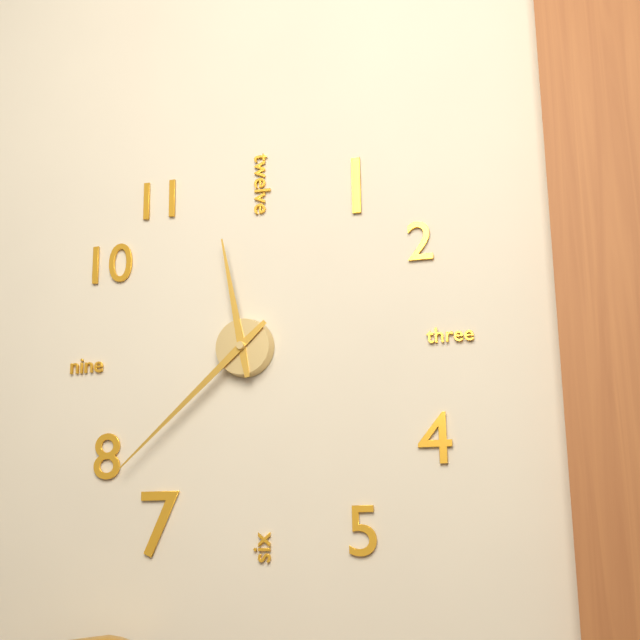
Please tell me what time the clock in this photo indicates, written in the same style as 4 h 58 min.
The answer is 11 h 38 min
